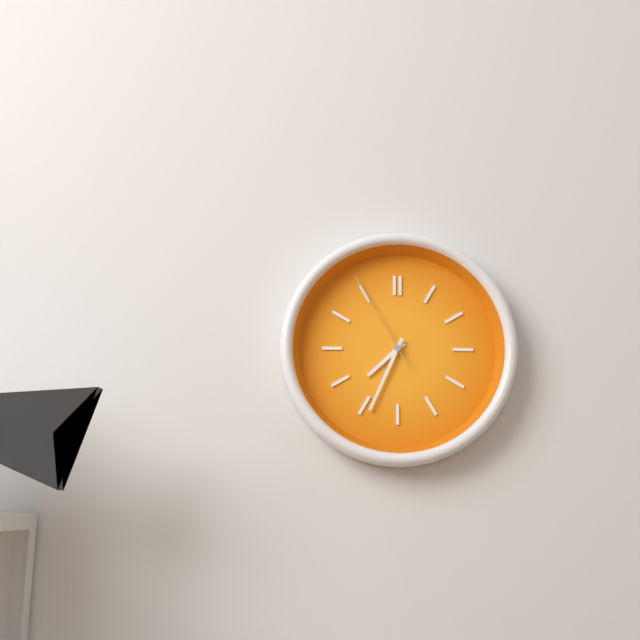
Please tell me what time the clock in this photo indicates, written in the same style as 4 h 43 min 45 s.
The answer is 7 h 34 min 55 s
